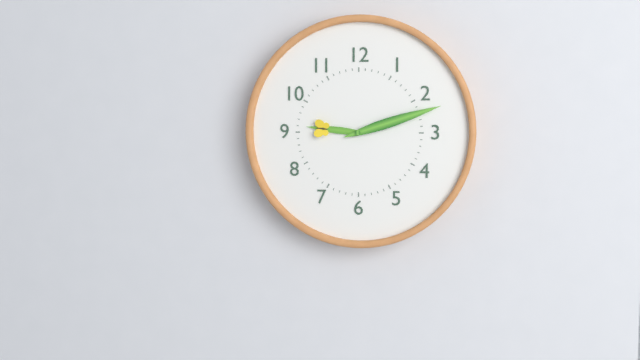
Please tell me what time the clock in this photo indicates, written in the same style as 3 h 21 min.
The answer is 9 h 12 min
